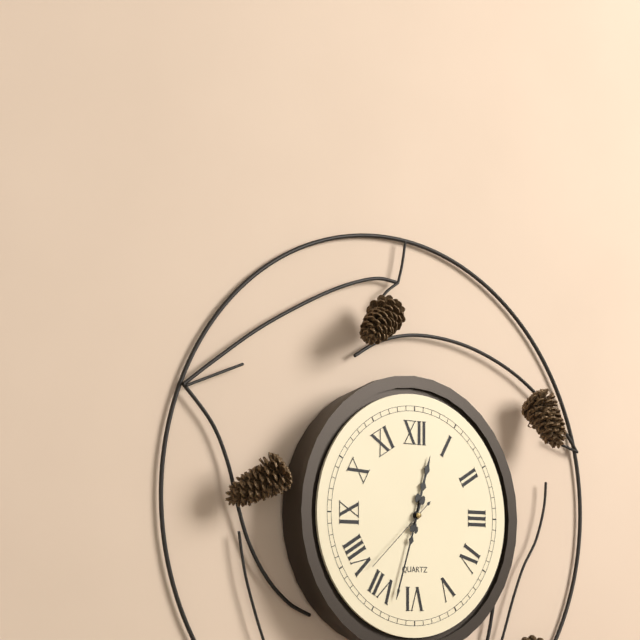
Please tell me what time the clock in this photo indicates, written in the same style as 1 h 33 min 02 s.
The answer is 12 h 33 min 38 s
